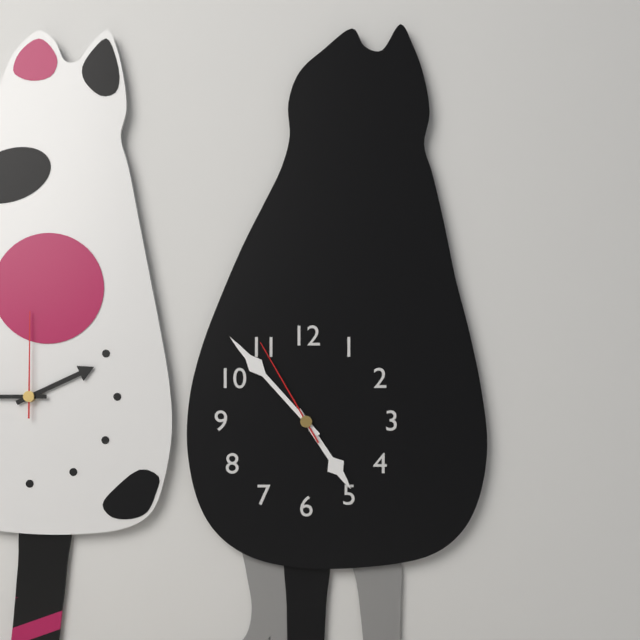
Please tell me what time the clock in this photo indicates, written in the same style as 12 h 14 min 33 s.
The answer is 4 h 53 min 55 s
